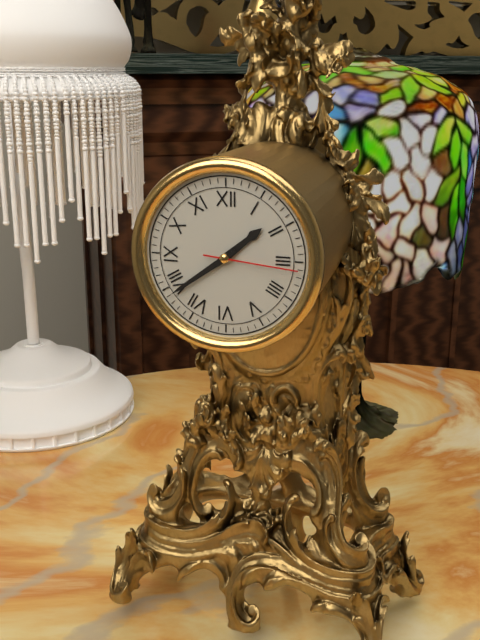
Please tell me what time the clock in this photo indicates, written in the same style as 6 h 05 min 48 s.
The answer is 1 h 39 min 16 s
